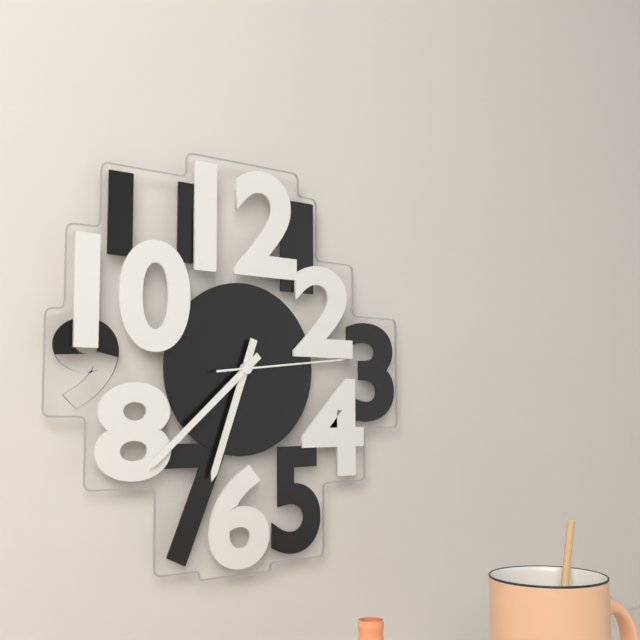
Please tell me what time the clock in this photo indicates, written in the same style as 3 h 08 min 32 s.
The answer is 6 h 38 min 14 s
